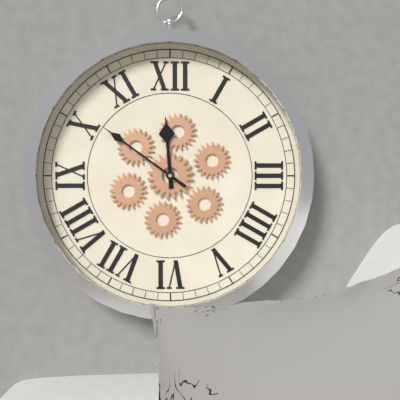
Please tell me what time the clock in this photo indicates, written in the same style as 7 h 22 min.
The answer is 11 h 51 min
